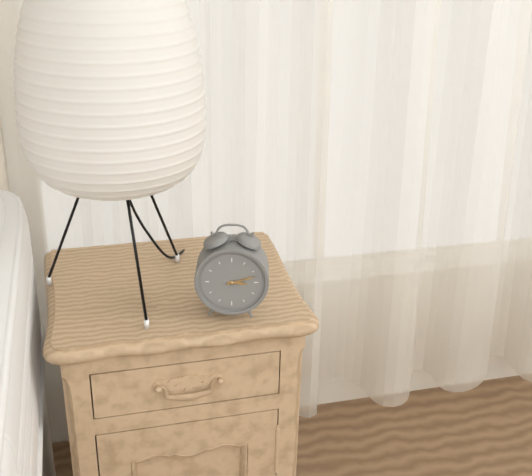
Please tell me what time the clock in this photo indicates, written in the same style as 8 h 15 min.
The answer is 3 h 12 min
